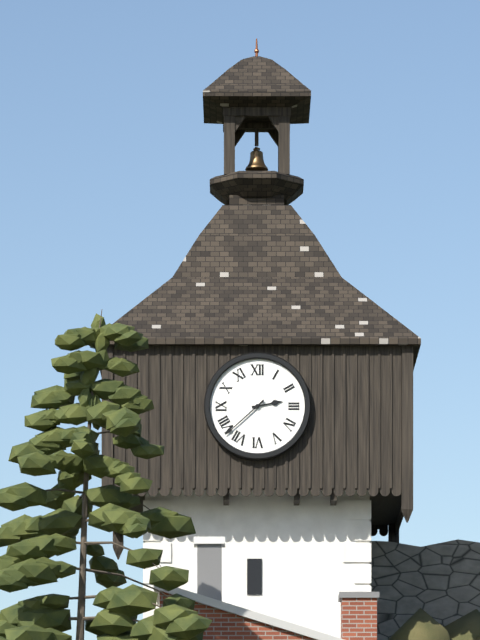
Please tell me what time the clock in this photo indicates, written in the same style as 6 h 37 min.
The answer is 2 h 38 min
